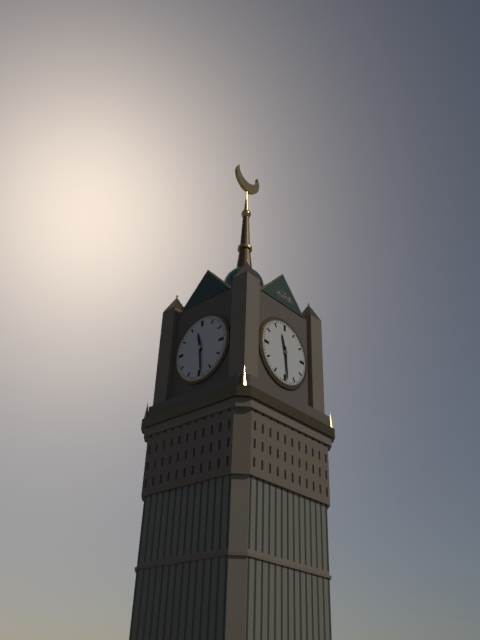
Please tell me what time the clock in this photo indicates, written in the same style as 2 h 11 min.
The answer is 11 h 29 min
